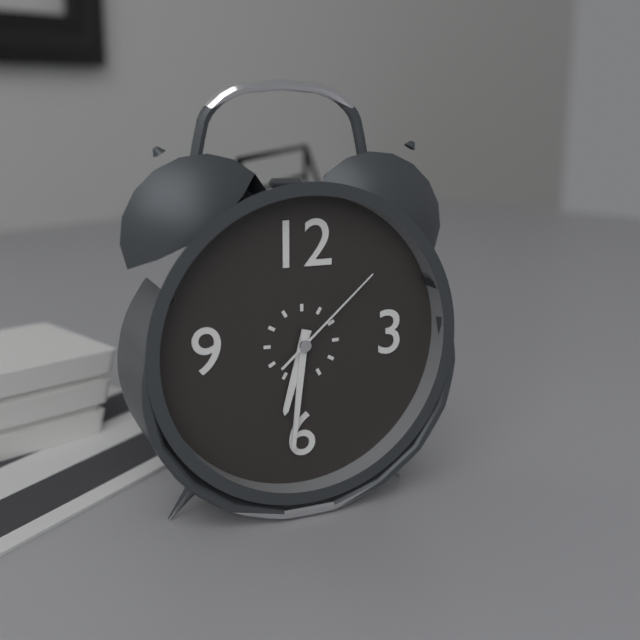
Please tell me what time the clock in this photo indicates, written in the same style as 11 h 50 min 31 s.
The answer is 6 h 31 min 08 s
